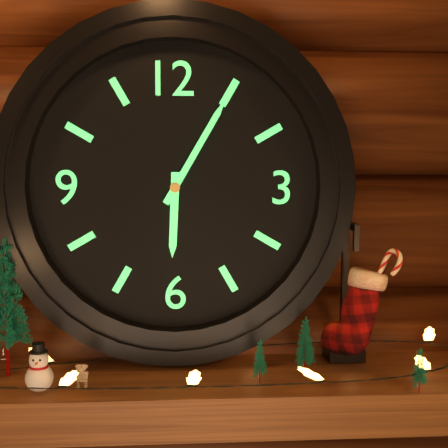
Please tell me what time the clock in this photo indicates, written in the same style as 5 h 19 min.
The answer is 6 h 05 min
